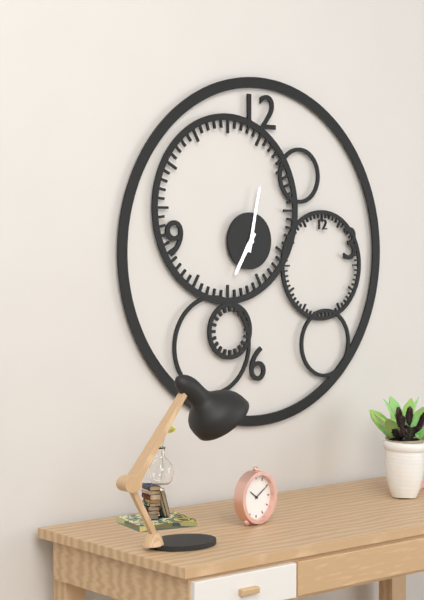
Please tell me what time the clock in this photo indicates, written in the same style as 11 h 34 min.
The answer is 7 h 02 min
